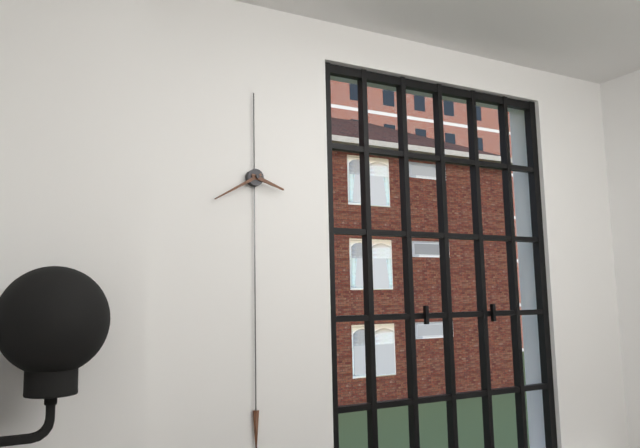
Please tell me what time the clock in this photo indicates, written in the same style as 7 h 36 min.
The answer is 3 h 40 min
